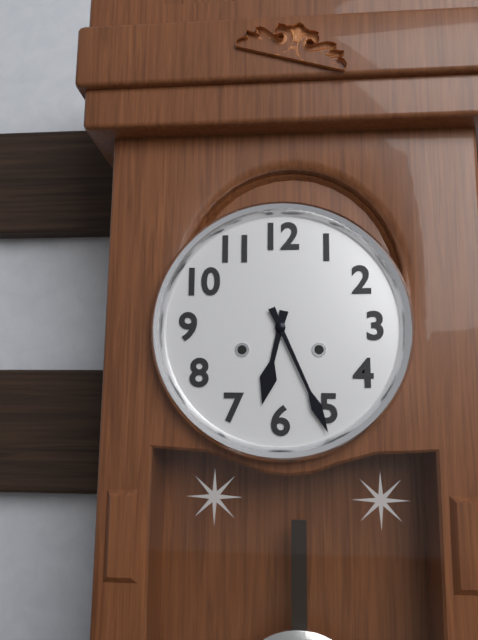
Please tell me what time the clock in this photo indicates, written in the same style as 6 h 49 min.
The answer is 6 h 26 min
